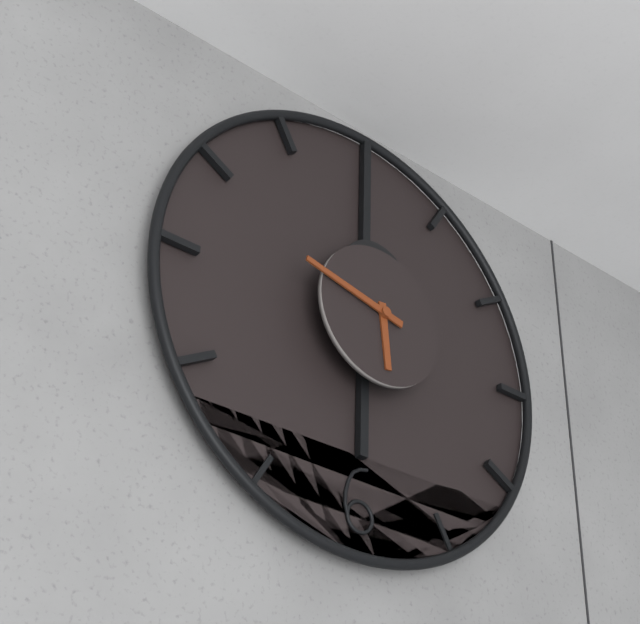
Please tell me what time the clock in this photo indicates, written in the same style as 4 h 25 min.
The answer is 5 h 47 min
